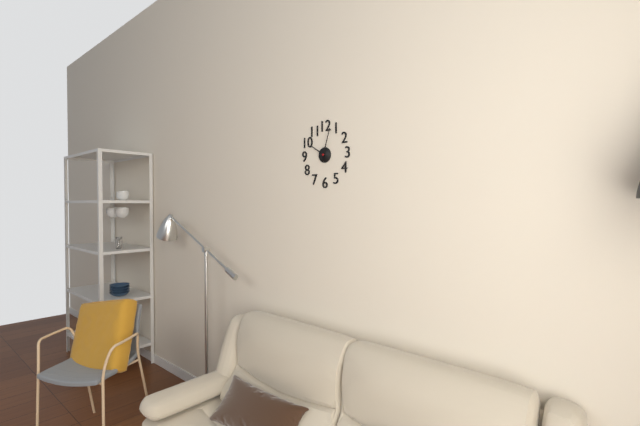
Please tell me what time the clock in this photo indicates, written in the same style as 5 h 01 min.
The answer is 10 h 03 min
